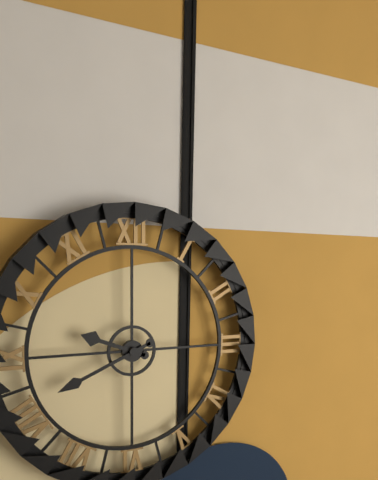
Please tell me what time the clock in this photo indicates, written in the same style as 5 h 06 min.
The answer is 9 h 41 min
